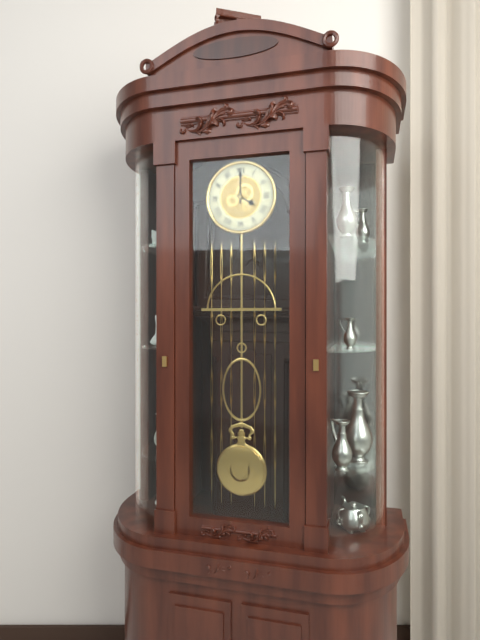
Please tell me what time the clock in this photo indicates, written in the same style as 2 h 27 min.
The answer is 4 h 00 min
